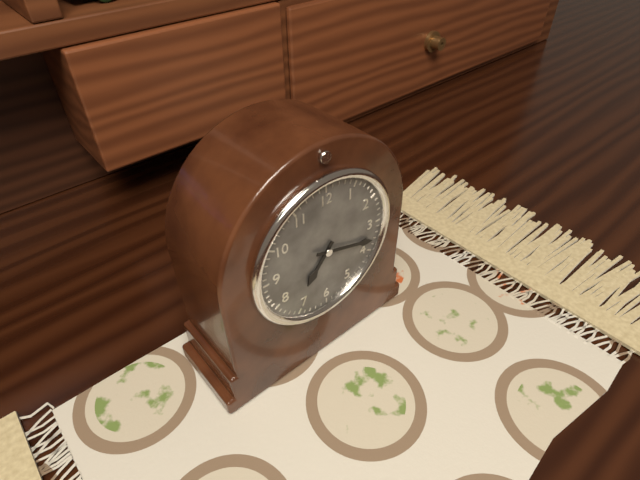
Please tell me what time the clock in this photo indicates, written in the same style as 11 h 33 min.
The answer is 7 h 18 min
